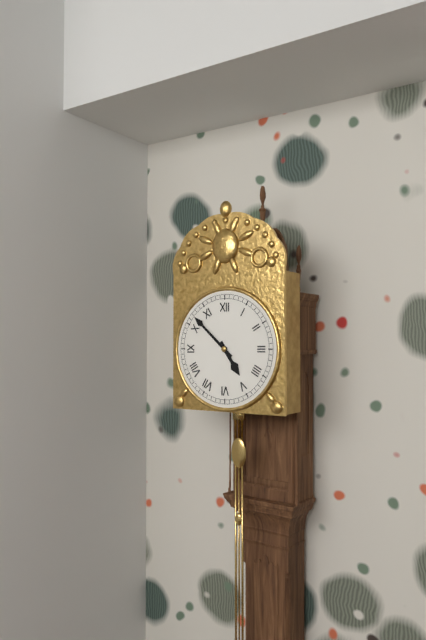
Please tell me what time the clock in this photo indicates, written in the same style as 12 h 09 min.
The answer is 4 h 52 min
